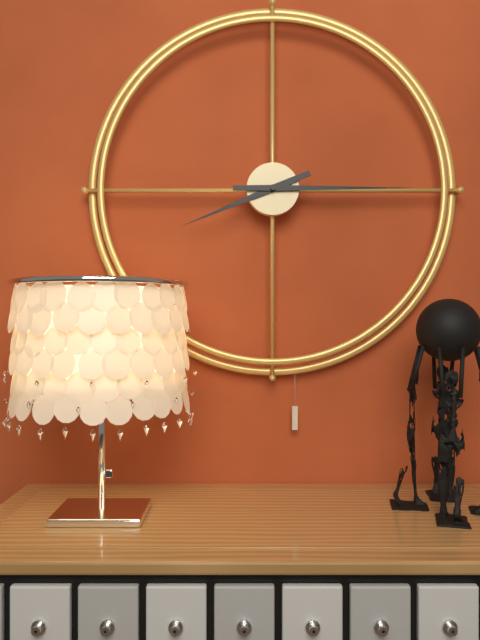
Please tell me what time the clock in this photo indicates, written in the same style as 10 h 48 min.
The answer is 8 h 15 min
